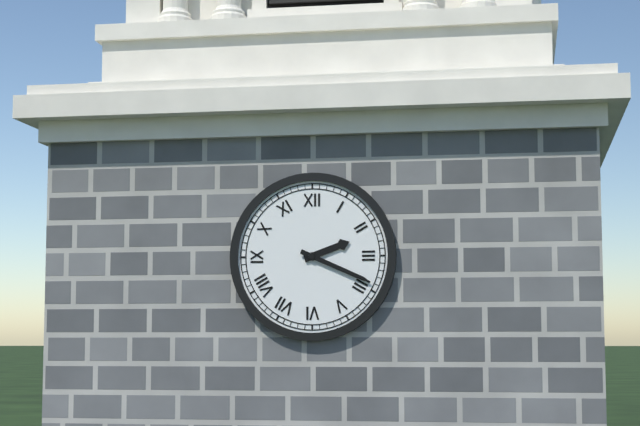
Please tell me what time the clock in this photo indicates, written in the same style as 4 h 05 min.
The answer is 2 h 19 min
